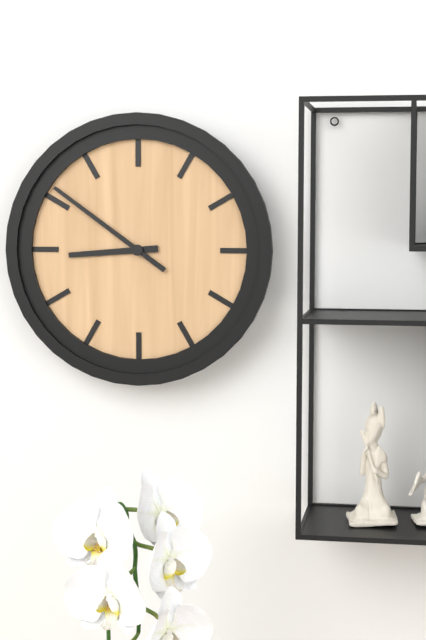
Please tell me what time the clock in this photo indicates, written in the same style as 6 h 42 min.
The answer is 8 h 51 min
